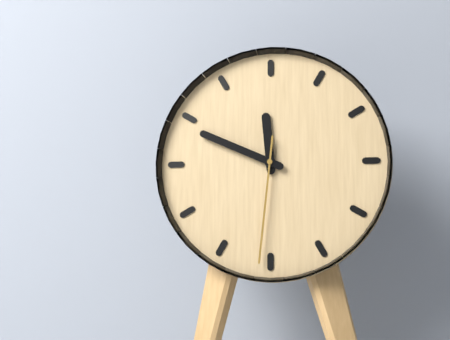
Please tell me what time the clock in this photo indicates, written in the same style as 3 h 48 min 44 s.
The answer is 11 h 49 min 31 s
